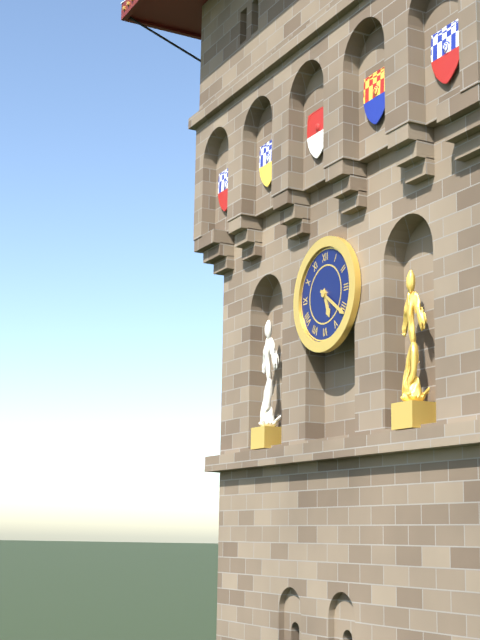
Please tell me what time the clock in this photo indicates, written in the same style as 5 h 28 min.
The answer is 5 h 21 min
